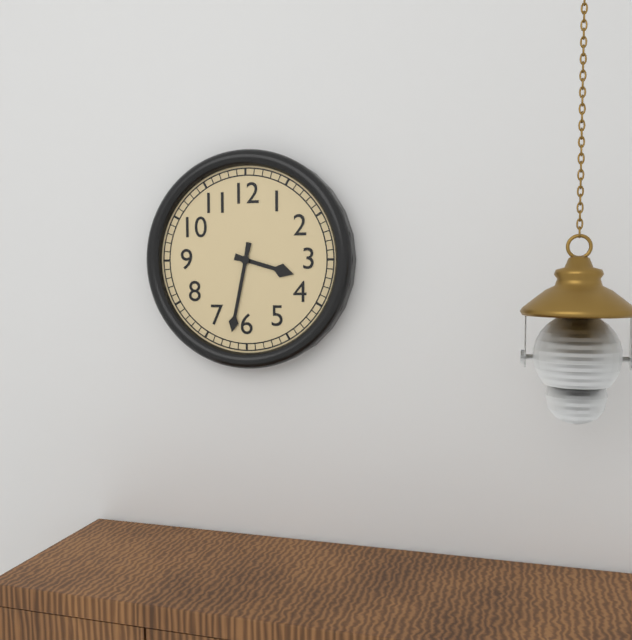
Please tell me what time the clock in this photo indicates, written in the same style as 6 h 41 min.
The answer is 3 h 32 min
